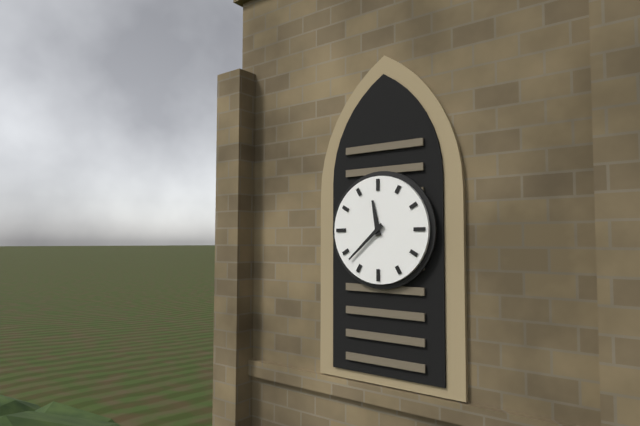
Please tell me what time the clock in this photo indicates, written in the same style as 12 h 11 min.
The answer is 11 h 38 min
